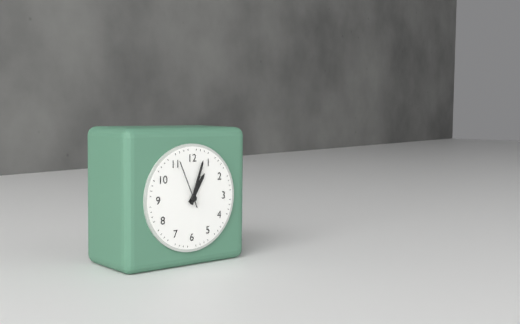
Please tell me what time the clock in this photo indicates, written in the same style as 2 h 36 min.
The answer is 1 h 03 min
